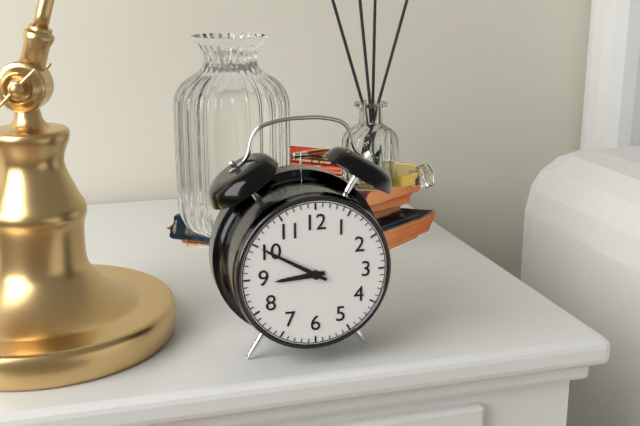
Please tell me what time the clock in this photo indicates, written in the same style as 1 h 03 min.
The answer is 8 h 50 min
